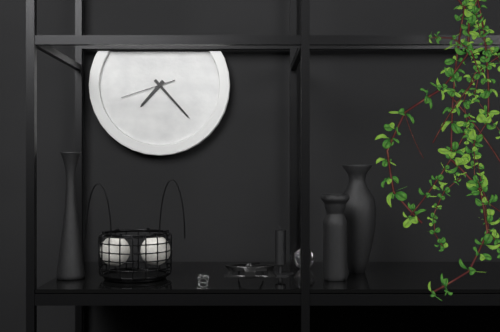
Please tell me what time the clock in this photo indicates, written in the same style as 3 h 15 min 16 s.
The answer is 7 h 23 min 42 s
